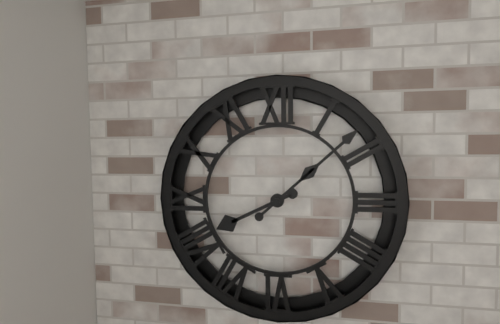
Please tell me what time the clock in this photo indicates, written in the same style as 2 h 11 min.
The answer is 8 h 08 min
